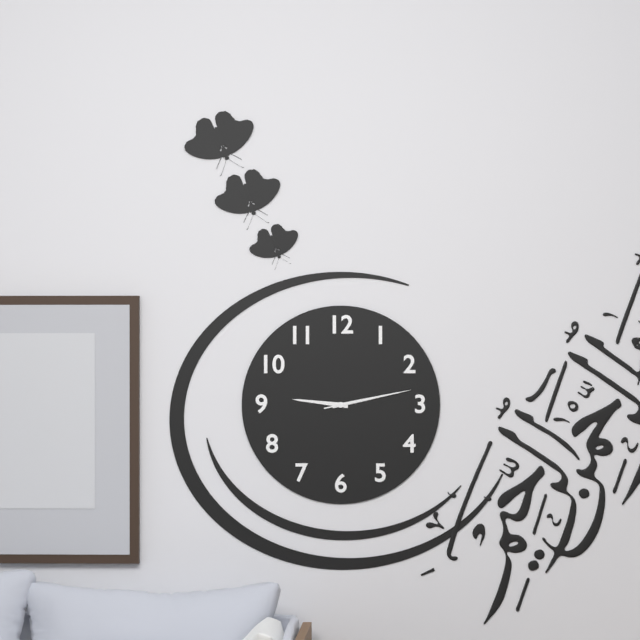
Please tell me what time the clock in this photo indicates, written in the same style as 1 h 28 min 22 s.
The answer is 9 h 13 min 13 s
